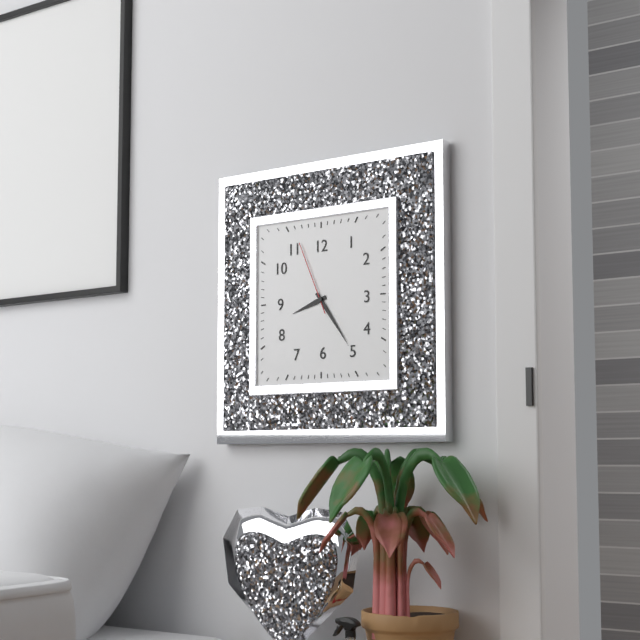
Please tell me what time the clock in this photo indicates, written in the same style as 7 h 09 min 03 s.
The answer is 8 h 24 min 56 s
